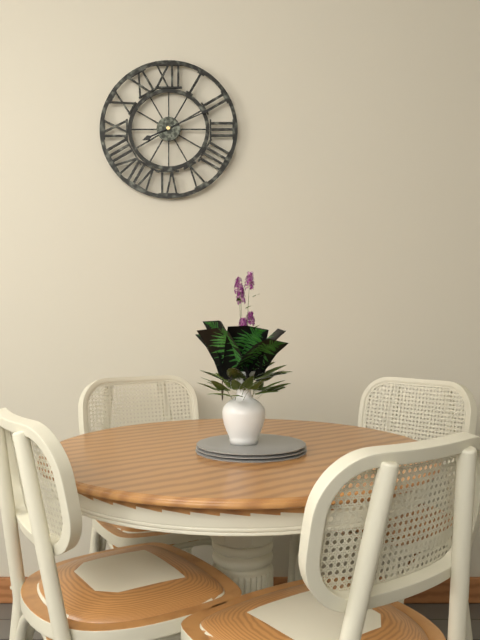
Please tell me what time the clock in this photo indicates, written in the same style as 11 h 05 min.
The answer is 8 h 11 min
